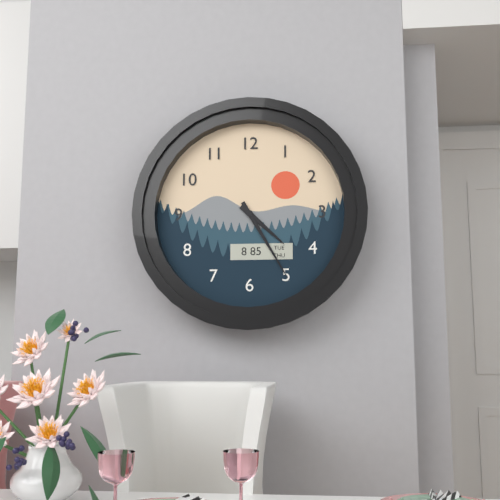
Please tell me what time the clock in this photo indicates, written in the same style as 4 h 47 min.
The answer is 4 h 25 min
